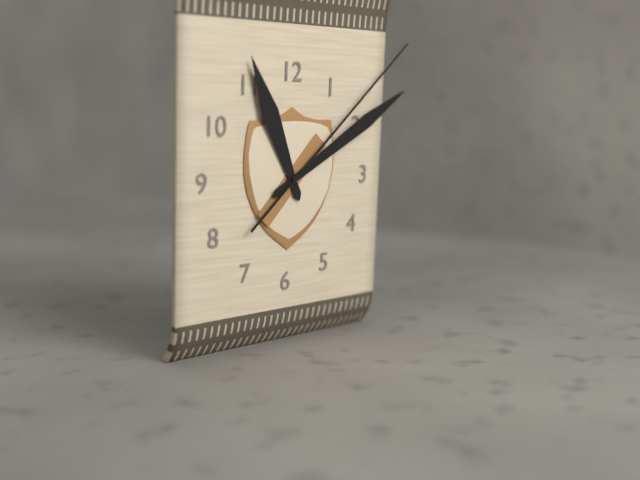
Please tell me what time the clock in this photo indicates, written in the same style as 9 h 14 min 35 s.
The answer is 11 h 10 min 08 s
